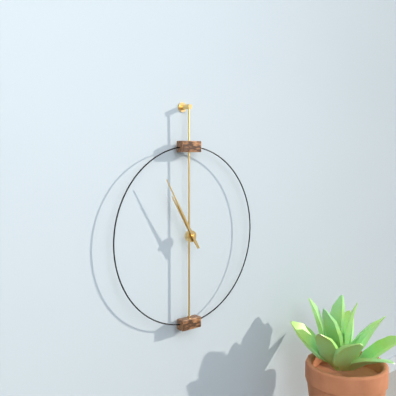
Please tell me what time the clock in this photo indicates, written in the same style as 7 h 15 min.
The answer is 10 h 55 min
